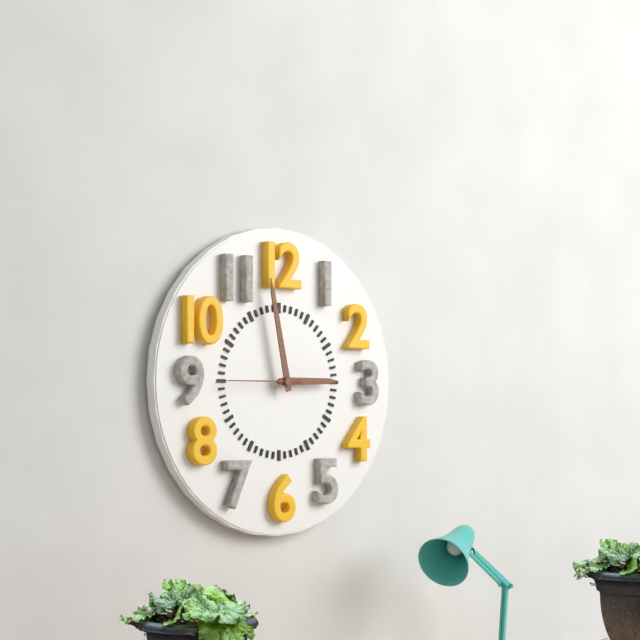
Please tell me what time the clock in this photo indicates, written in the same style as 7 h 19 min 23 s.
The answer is 2 h 58 min 45 s
